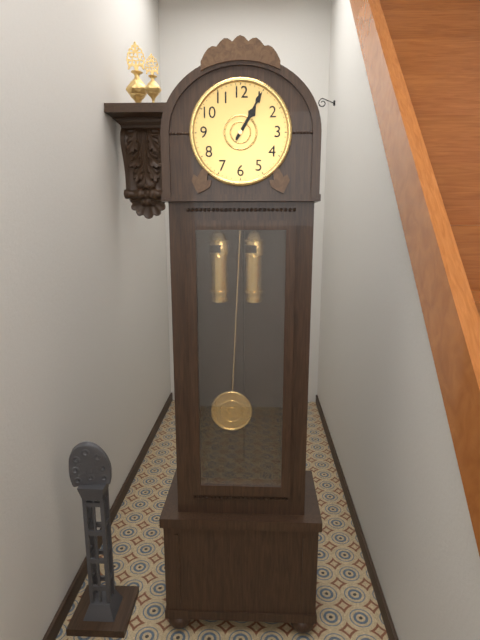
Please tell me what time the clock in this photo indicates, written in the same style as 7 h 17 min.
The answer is 1 h 05 min
